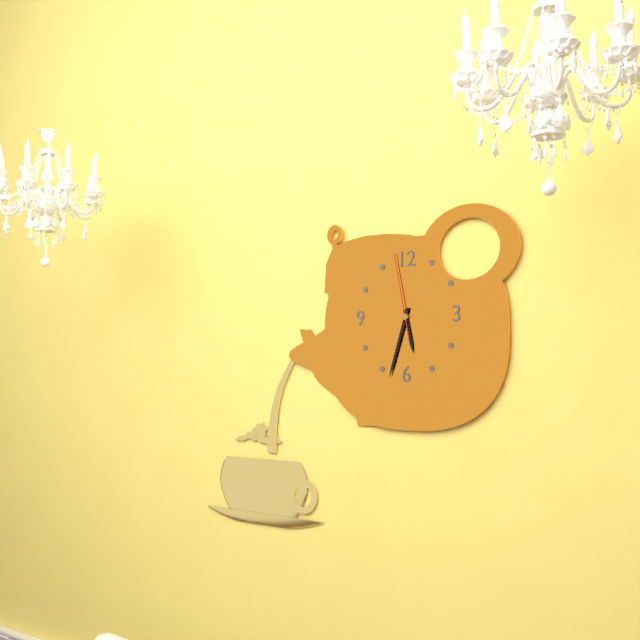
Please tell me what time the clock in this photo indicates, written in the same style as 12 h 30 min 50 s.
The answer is 5 h 33 min 58 s
